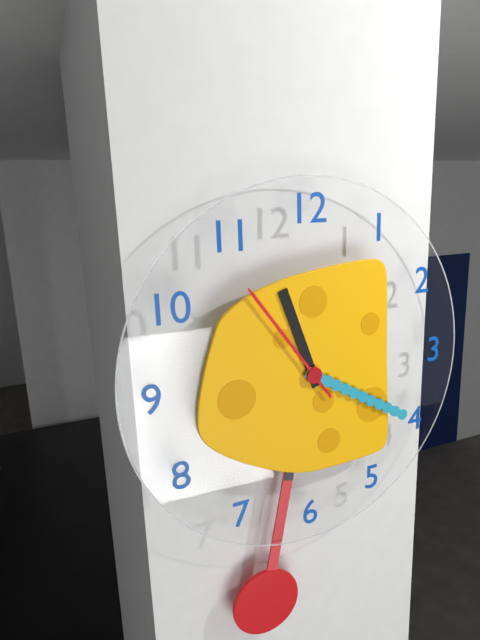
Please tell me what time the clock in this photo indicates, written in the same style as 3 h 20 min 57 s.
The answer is 11 h 20 min 54 s
